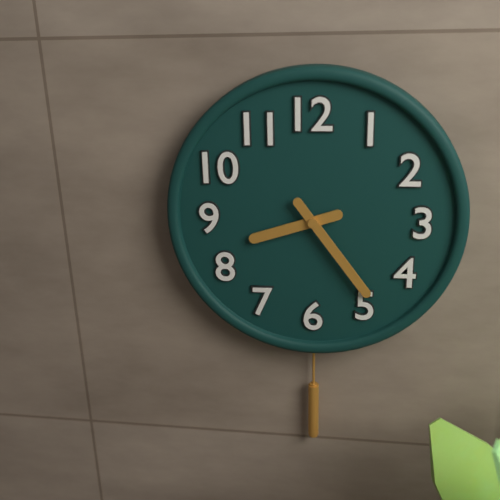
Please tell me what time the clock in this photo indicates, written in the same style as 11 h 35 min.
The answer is 8 h 24 min
